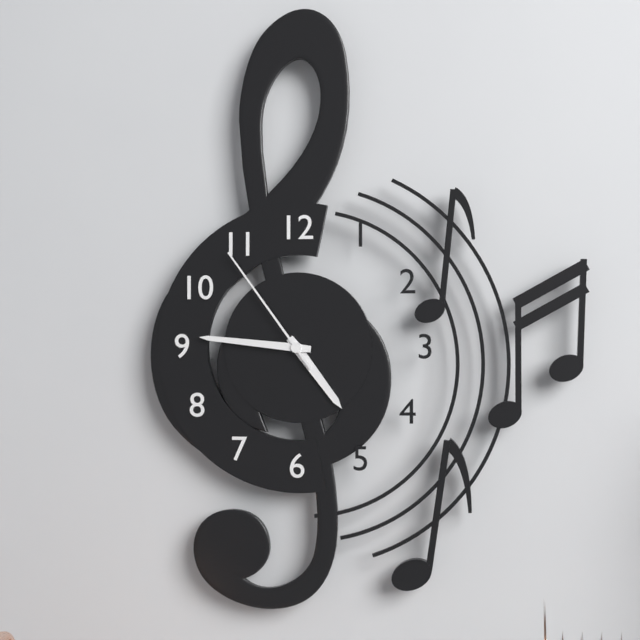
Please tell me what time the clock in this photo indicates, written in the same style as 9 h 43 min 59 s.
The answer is 4 h 46 min 54 s
